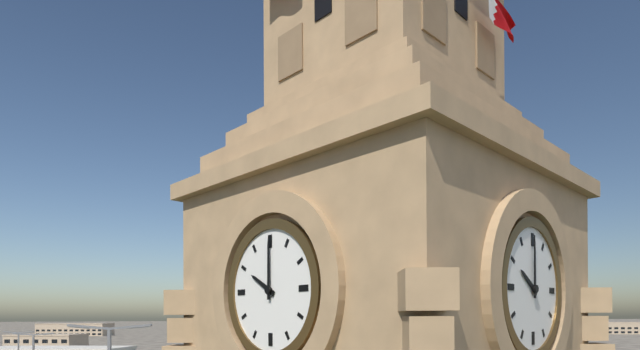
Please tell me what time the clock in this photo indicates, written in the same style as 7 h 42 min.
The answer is 10 h 00 min
